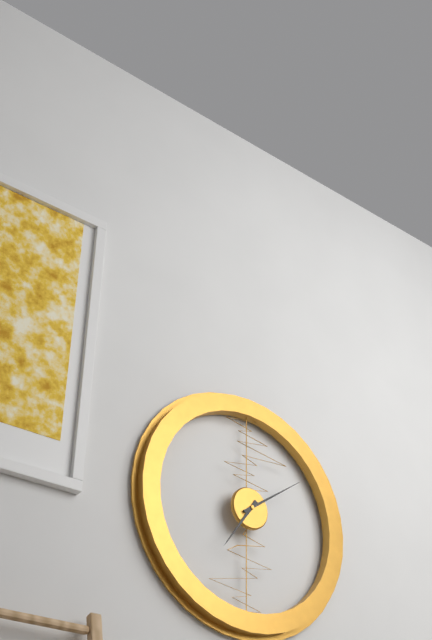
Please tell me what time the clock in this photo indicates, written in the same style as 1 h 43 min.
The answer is 7 h 09 min
